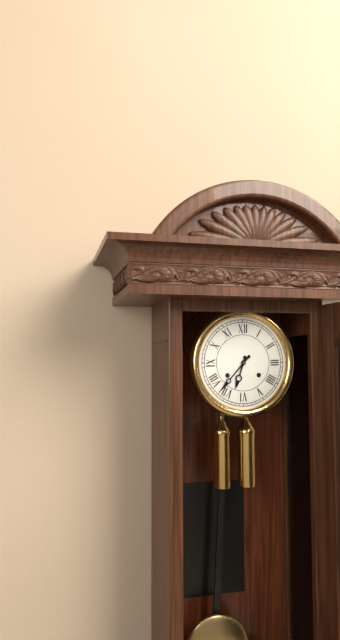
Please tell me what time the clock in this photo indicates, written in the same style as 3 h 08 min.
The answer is 6 h 37 min
